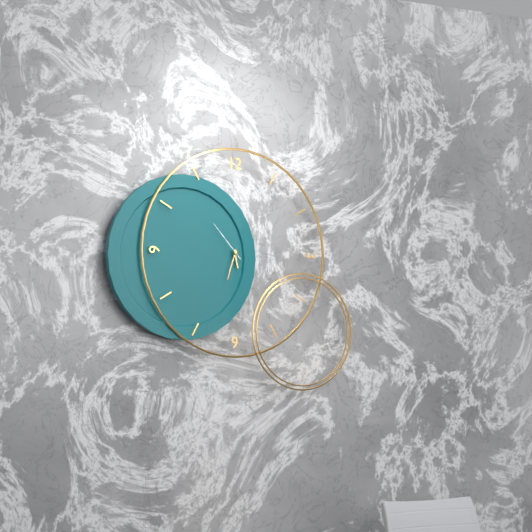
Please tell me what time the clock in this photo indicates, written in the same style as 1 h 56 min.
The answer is 5 h 33 min
